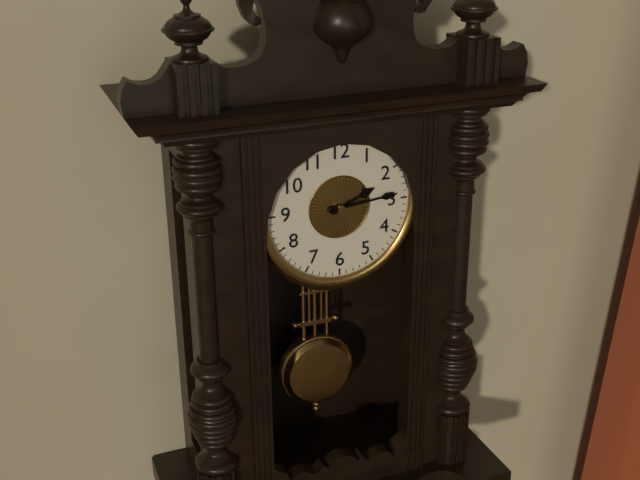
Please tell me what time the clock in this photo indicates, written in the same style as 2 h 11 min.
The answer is 2 h 14 min
